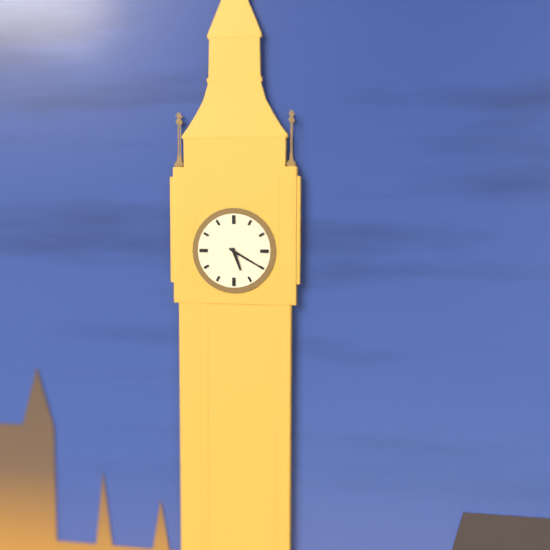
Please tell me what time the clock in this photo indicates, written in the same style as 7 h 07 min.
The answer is 5 h 20 min
